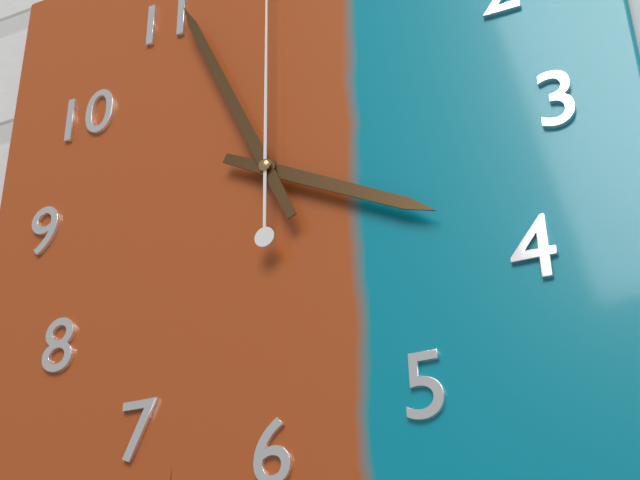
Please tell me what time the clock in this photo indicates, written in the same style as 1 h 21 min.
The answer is 3 h 56 min
